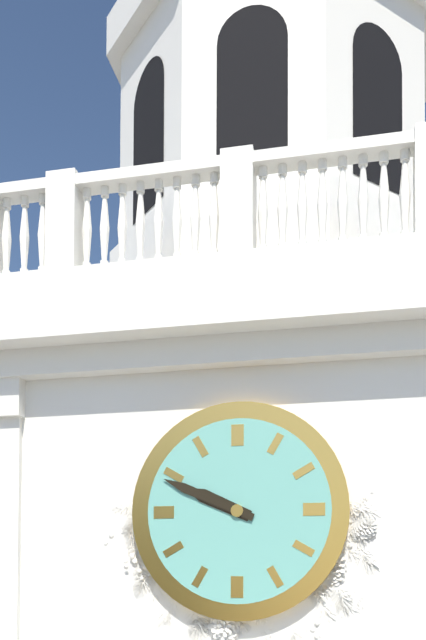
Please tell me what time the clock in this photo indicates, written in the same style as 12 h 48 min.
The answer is 9 h 49 min
